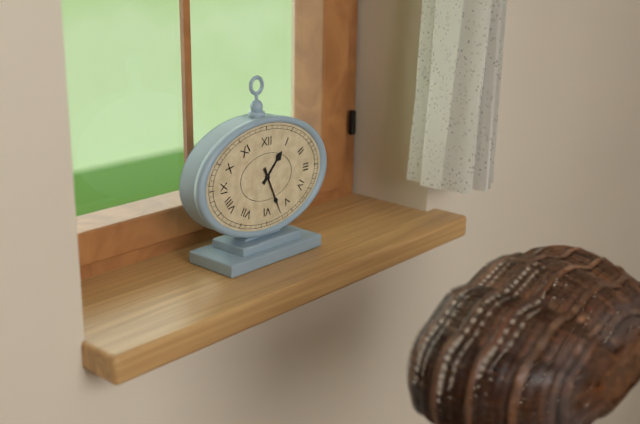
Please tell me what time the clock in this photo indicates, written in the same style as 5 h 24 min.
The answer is 1 h 26 min
